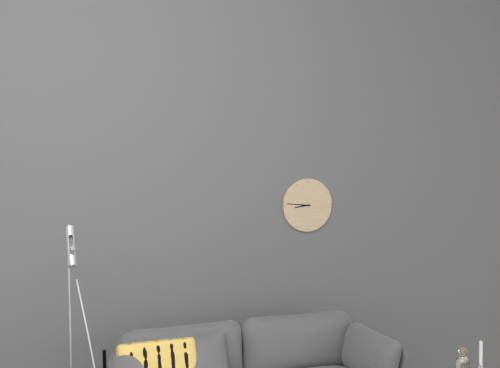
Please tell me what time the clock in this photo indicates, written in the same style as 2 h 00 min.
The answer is 8 h 46 min
